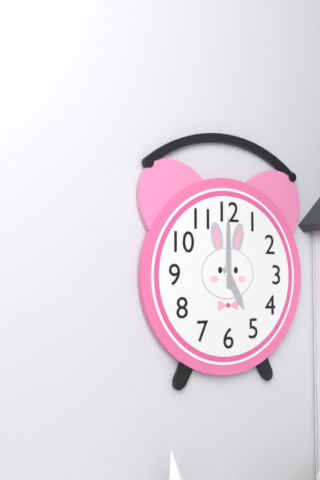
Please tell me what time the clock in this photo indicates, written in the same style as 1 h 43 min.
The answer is 5 h 00 min
